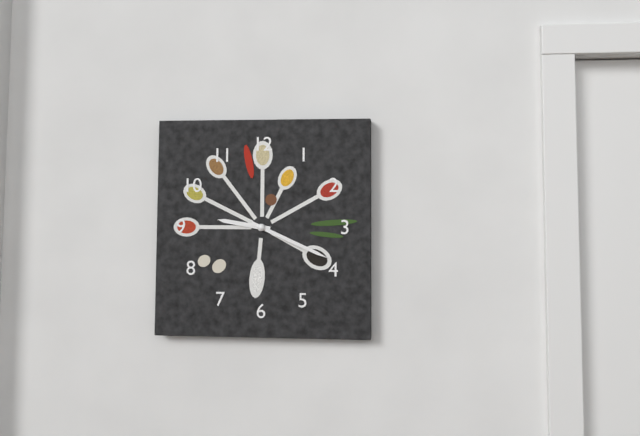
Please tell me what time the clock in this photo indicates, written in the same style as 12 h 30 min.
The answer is 9 h 19 min
